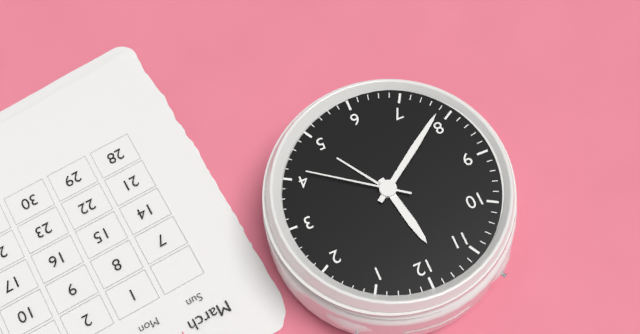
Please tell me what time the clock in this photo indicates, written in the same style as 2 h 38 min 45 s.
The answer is 11 h 39 min 21 s
